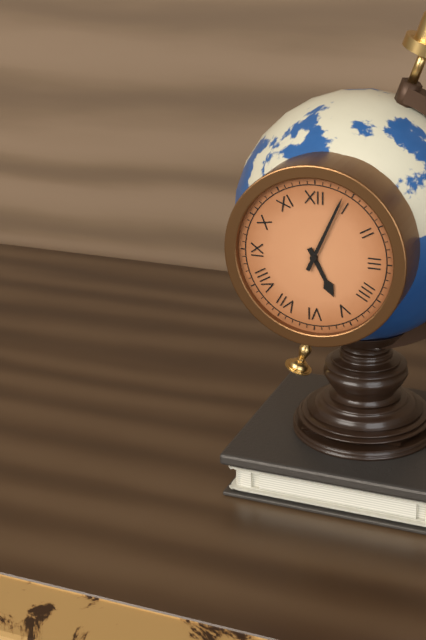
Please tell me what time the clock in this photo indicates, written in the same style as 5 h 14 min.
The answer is 5 h 04 min
